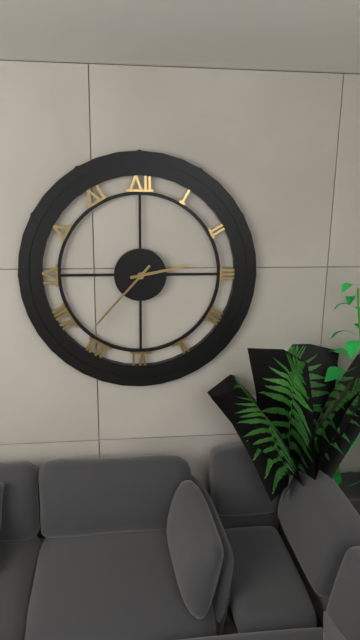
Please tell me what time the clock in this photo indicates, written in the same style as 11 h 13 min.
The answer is 2 h 37 min
